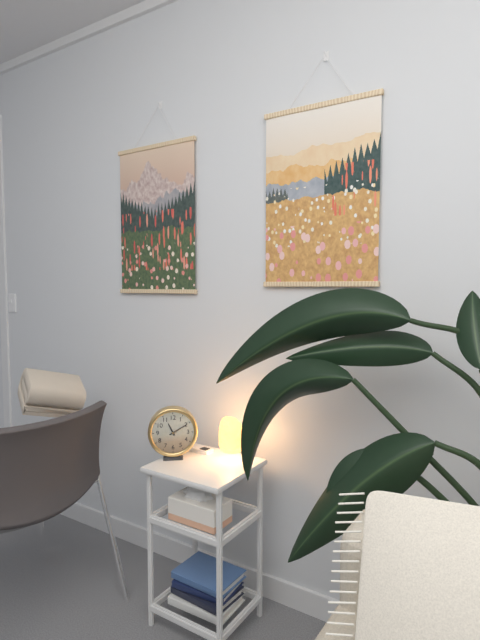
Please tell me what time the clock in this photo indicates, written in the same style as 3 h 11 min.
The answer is 11 h 10 min
